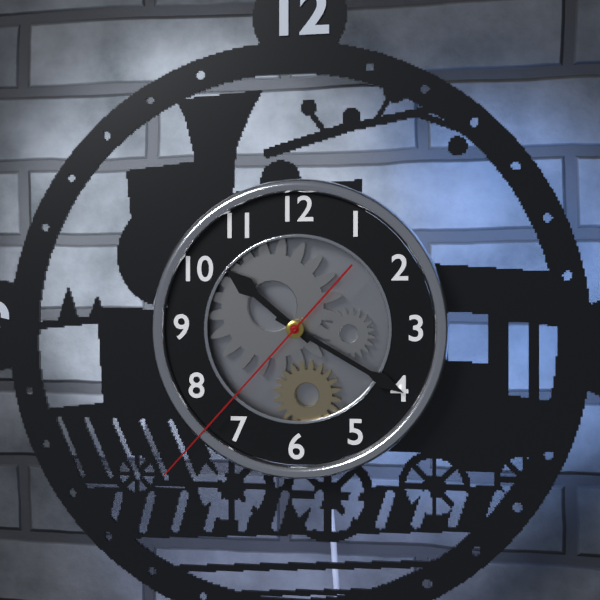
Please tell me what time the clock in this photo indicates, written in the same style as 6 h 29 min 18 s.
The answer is 10 h 20 min 37 s
